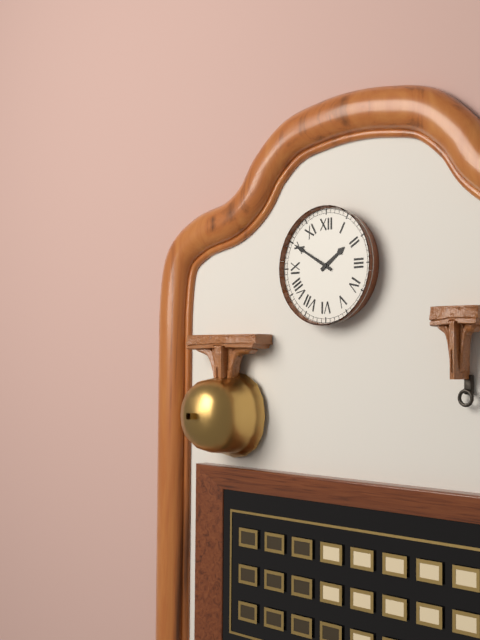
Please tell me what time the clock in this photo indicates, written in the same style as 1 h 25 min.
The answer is 1 h 50 min
